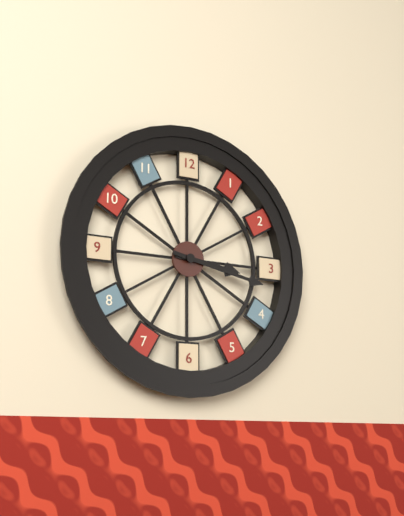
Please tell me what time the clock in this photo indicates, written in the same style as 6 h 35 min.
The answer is 3 h 17 min
